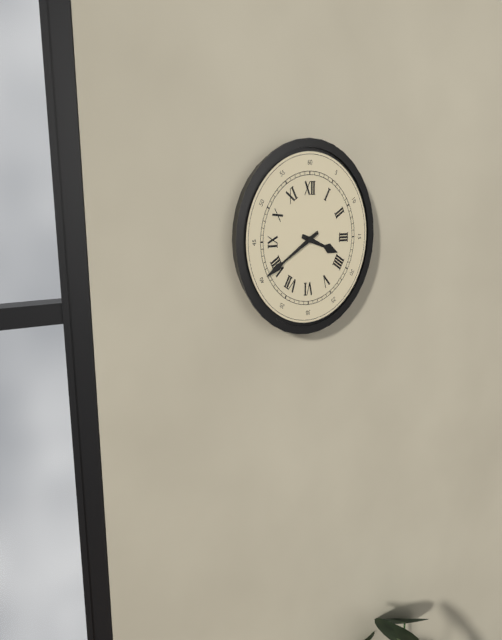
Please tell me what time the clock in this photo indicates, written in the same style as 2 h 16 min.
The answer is 3 h 40 min
